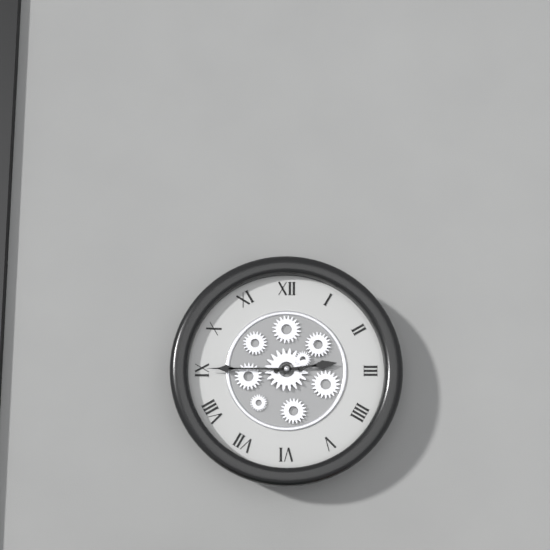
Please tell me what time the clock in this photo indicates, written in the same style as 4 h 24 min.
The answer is 2 h 45 min
